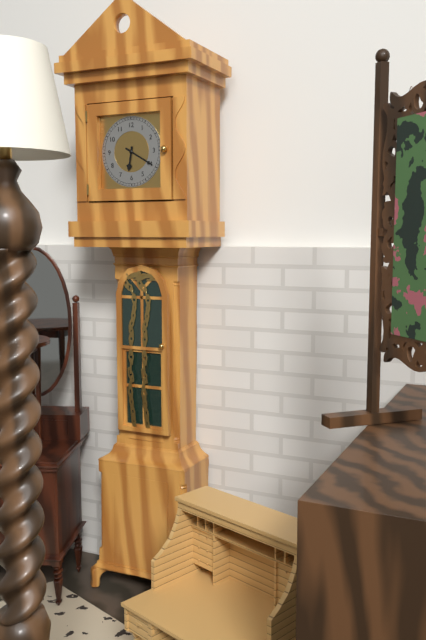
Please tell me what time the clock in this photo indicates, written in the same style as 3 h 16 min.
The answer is 6 h 20 min
